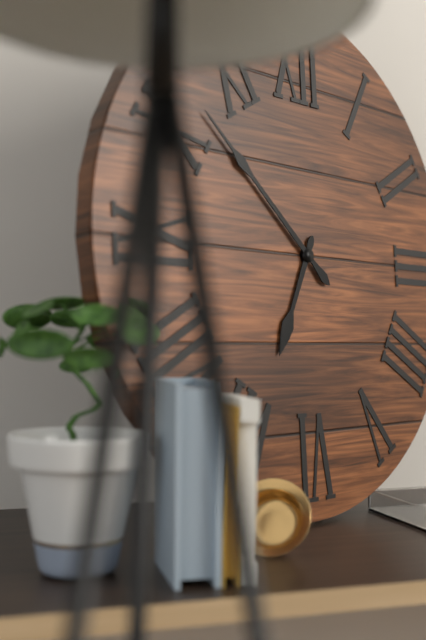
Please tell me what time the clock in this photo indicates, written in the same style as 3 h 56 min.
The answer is 6 h 52 min
